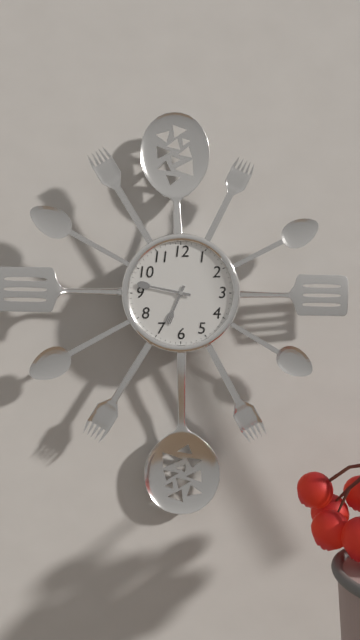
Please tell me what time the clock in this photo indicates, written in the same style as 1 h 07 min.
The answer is 6 h 47 min
